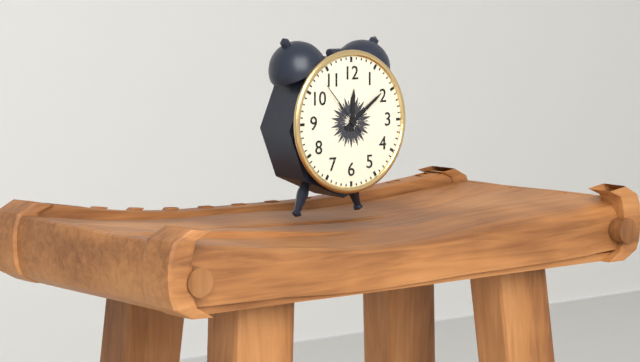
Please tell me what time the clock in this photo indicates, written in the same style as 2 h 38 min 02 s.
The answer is 12 h 09 min 53 s
